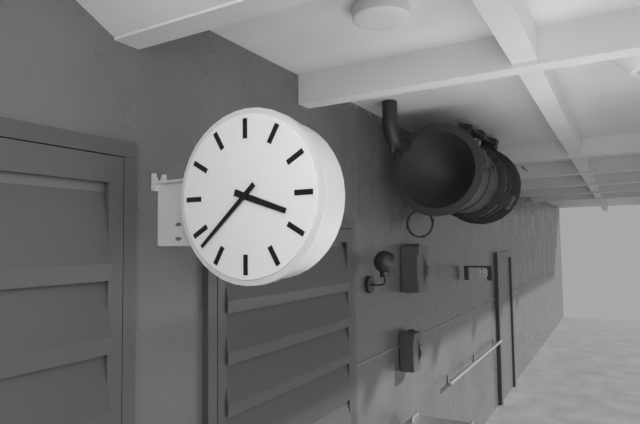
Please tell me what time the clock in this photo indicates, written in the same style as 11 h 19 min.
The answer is 3 h 38 min
